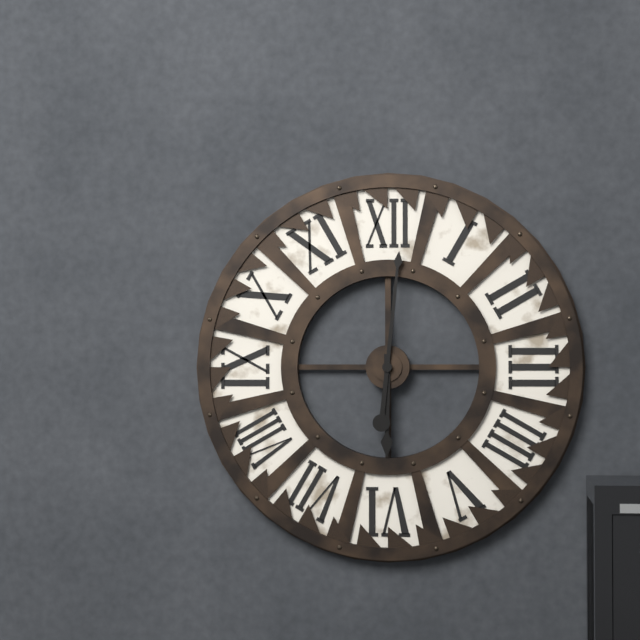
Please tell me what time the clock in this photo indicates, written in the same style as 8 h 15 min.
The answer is 6 h 01 min
